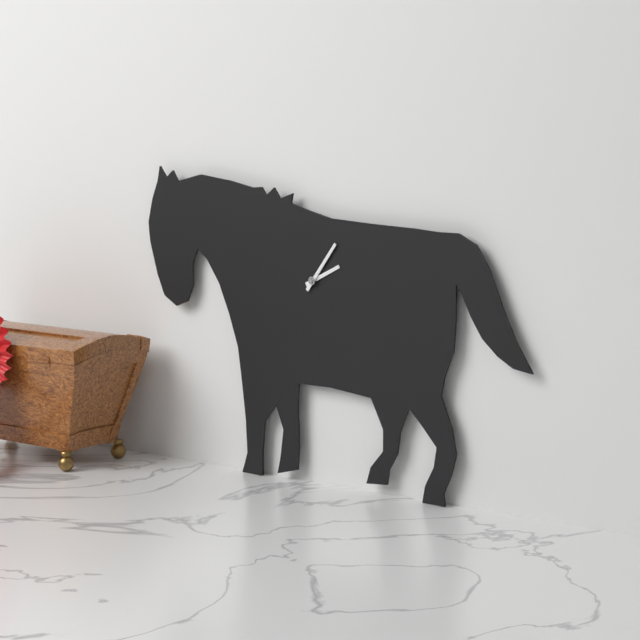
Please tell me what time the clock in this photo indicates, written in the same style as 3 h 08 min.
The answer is 2 h 06 min
